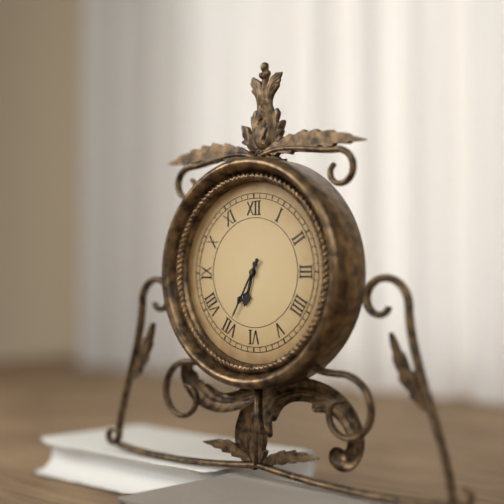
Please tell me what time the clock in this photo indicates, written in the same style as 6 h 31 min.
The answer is 6 h 35 min
